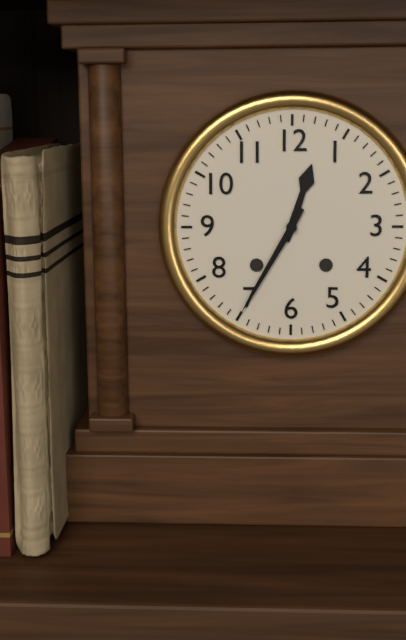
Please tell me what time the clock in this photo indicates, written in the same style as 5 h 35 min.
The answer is 12 h 35 min
